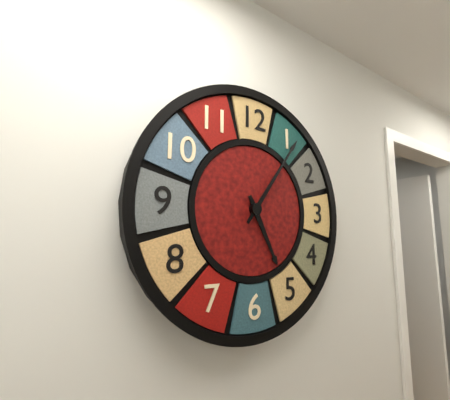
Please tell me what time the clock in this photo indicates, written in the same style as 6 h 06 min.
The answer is 5 h 06 min
